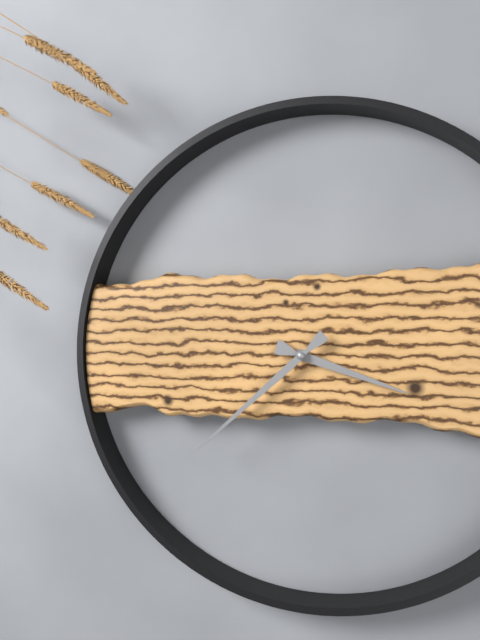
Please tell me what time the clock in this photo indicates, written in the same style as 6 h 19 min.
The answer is 3 h 38 min
